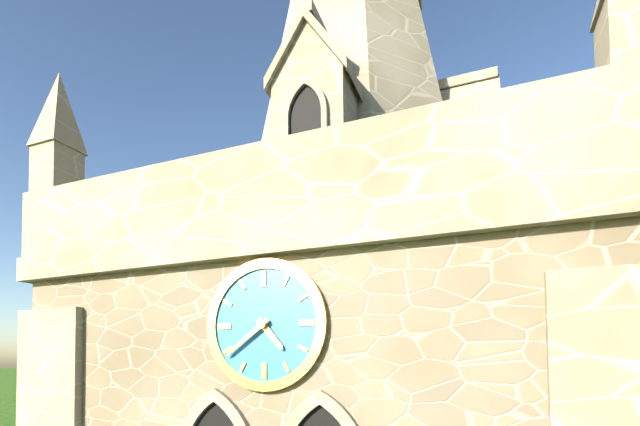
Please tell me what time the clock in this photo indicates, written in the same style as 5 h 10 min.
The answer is 4 h 39 min
